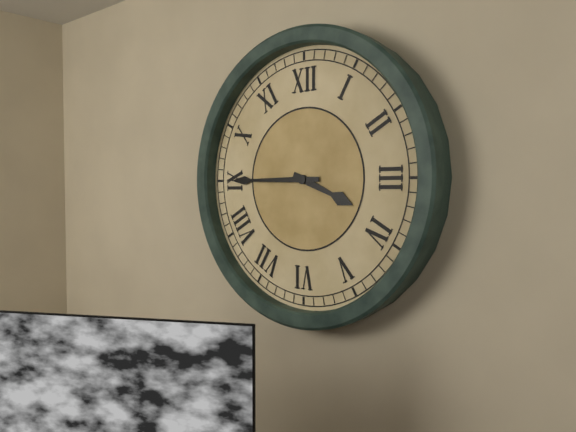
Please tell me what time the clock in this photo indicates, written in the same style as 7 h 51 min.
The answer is 3 h 45 min
